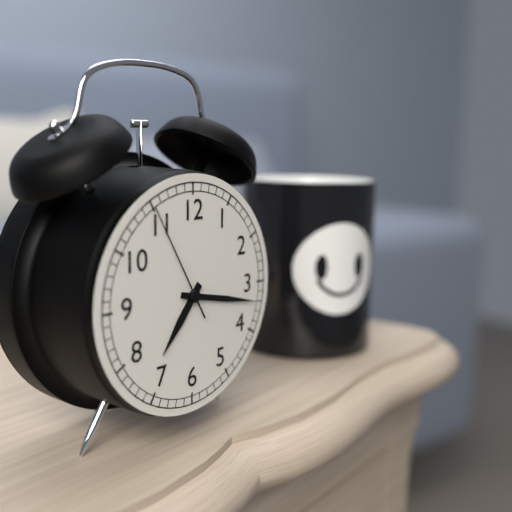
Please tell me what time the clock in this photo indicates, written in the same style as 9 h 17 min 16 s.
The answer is 7 h 17 min 55 s
